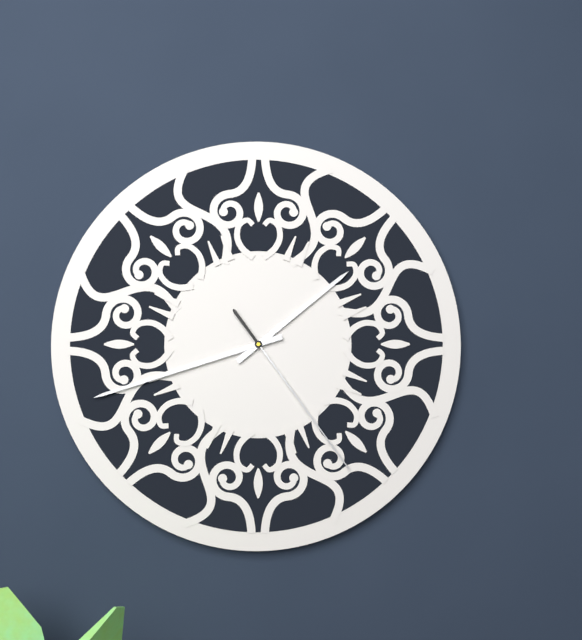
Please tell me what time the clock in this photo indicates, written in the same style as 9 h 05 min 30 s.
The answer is 1 h 42 min 24 s
